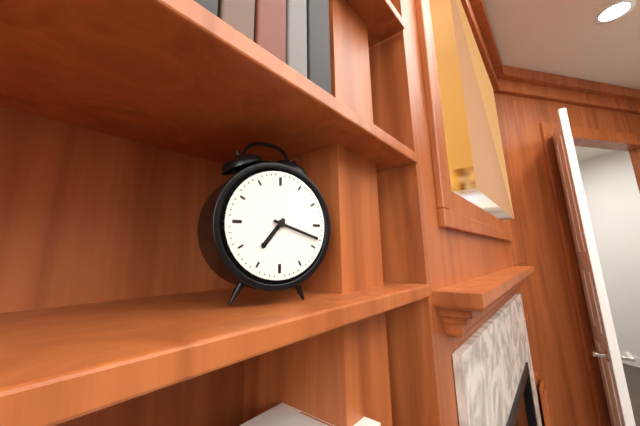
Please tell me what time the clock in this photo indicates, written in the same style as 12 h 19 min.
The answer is 7 h 18 min
